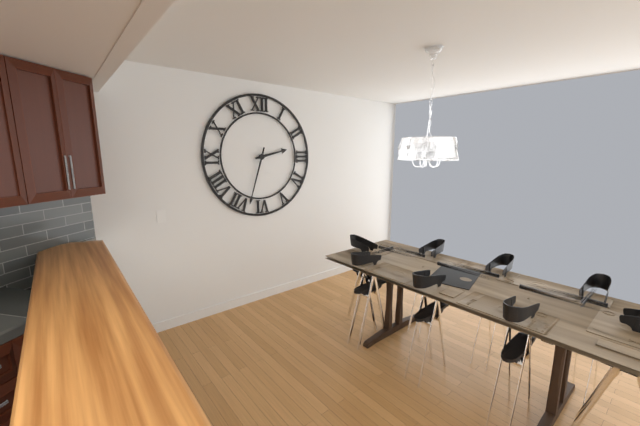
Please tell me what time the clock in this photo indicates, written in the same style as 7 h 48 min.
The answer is 2 h 33 min
